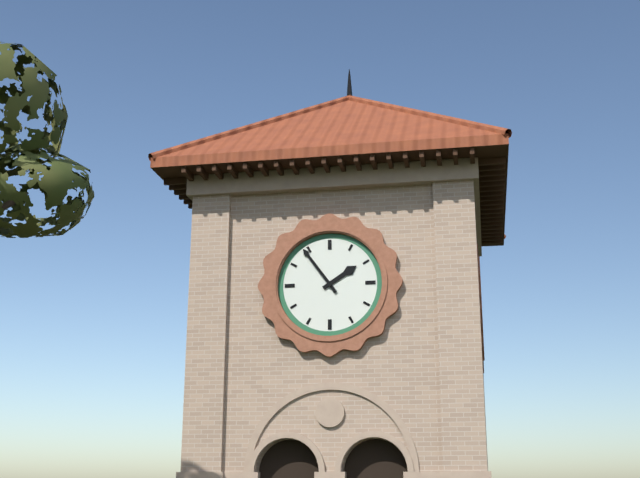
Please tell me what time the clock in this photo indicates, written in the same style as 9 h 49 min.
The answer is 1 h 54 min
